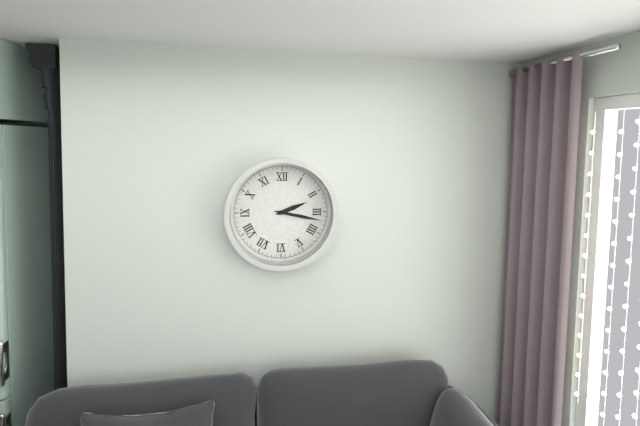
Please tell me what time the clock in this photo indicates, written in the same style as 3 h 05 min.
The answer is 2 h 17 min
